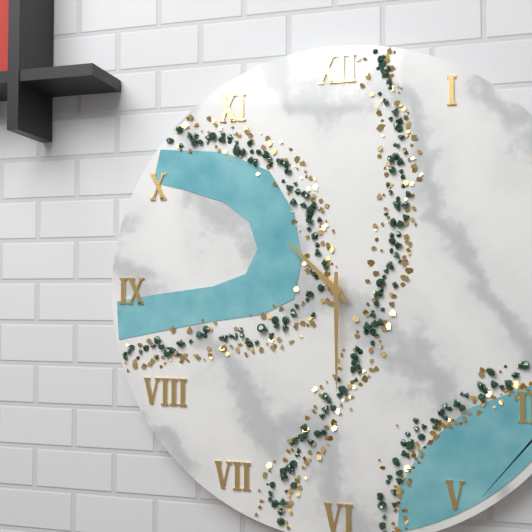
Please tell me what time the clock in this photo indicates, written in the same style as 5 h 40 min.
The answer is 10 h 30 min
